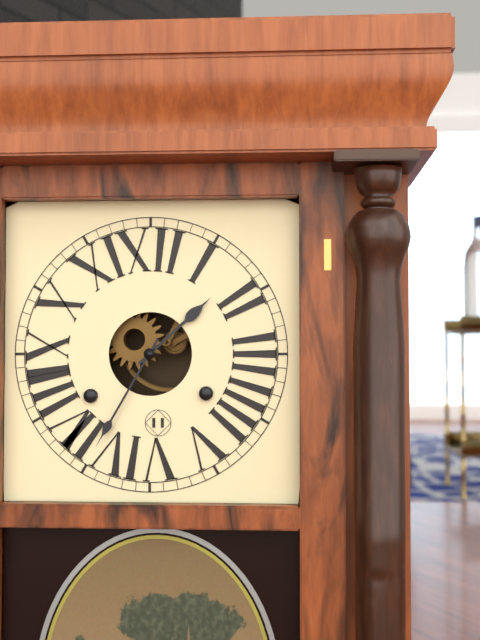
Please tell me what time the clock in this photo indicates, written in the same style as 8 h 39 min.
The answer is 1 h 35 min
